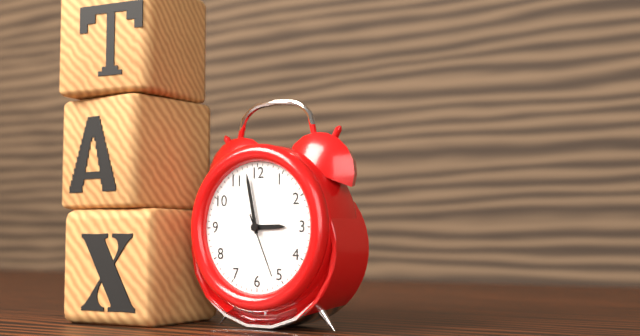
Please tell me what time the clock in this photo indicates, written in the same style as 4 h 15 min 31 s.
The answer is 2 h 58 min 26 s
